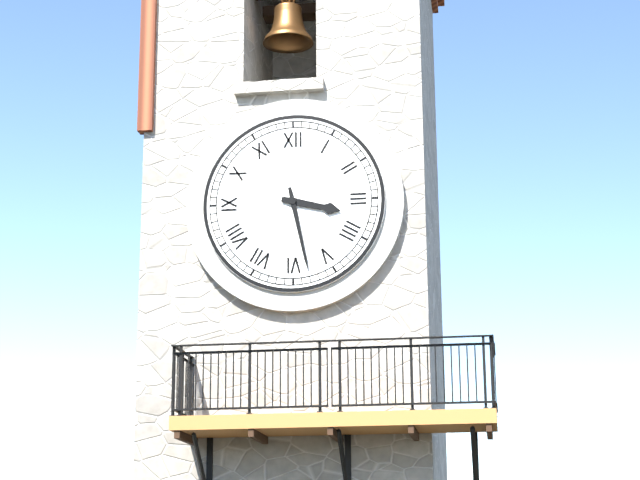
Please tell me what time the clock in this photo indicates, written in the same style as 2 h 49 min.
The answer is 3 h 28 min
